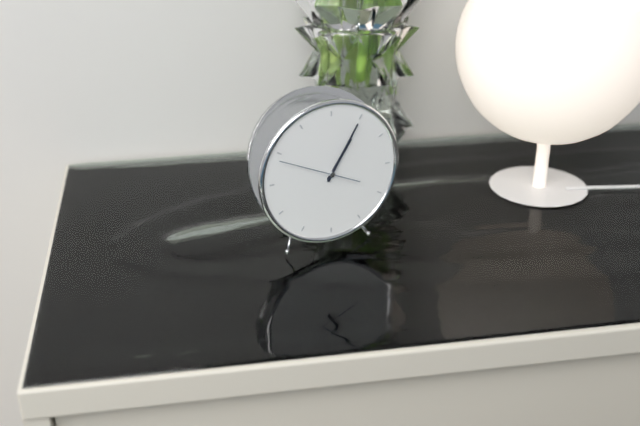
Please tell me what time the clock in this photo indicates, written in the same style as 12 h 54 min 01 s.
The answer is 1 h 05 min 49 s
